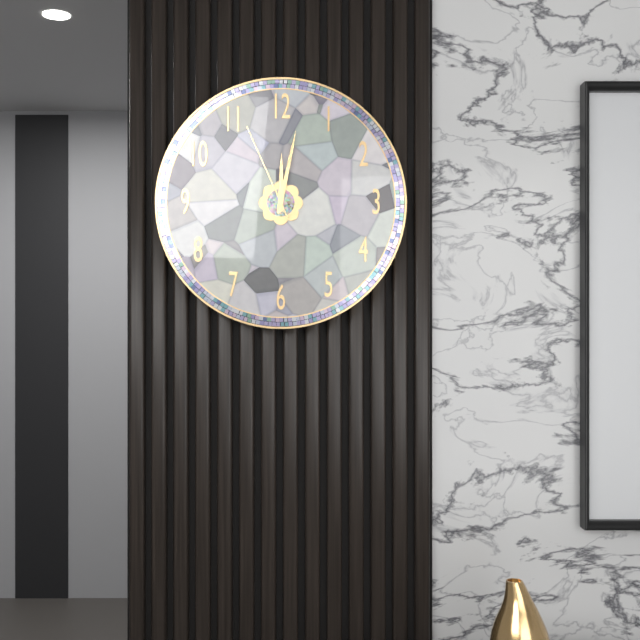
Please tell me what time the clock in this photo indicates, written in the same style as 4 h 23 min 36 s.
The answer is 12 h 02 min 56 s
